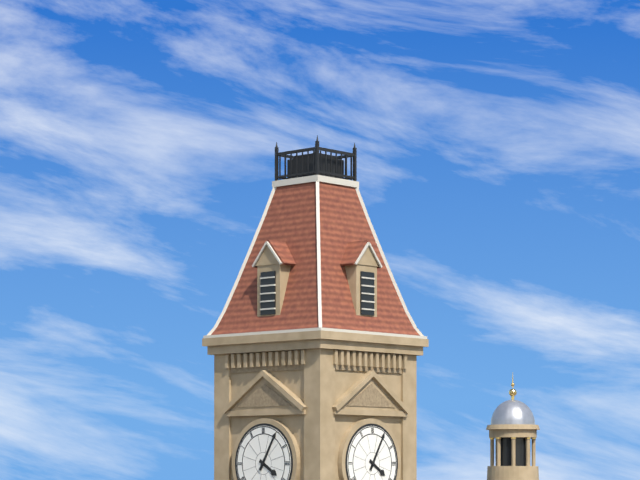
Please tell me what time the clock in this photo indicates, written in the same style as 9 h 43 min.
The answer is 4 h 05 min
